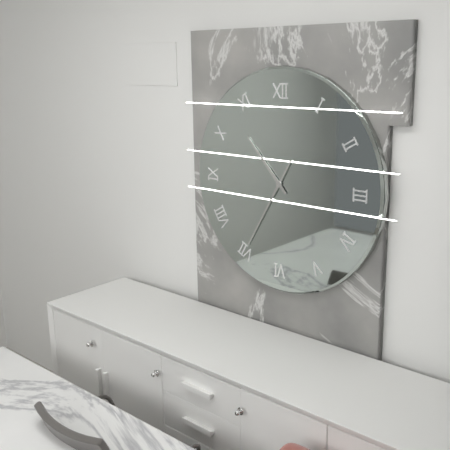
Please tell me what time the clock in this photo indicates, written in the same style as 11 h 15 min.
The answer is 10 h 35 min
